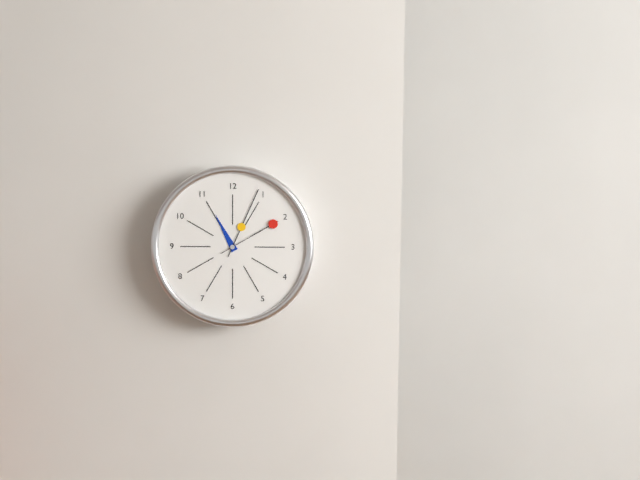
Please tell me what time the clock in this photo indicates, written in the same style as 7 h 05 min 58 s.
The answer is 11 h 04 min 10 s
